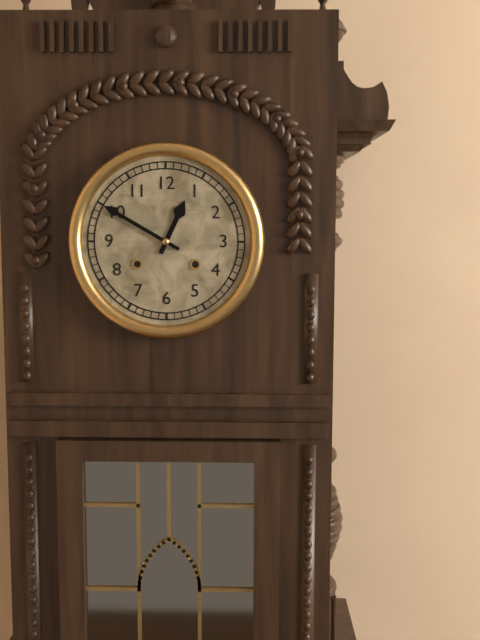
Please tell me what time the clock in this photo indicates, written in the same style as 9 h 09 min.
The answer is 12 h 50 min
